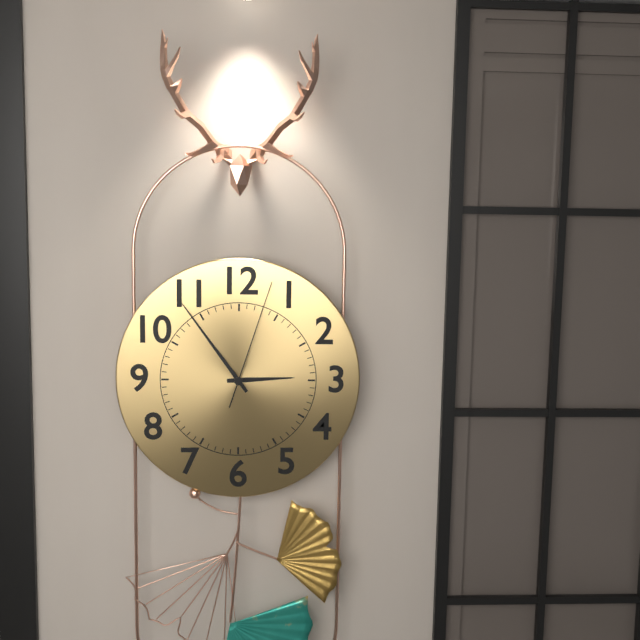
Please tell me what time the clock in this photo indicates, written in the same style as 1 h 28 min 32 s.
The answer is 2 h 54 min 03 s
